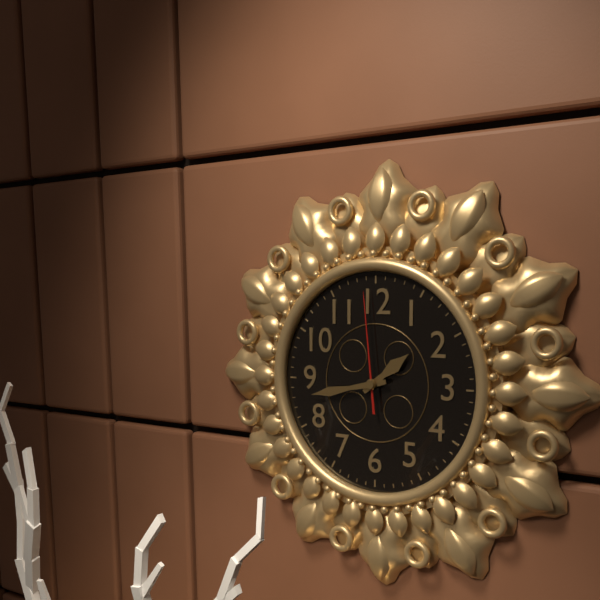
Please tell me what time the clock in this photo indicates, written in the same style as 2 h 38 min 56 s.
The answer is 1 h 43 min 59 s
